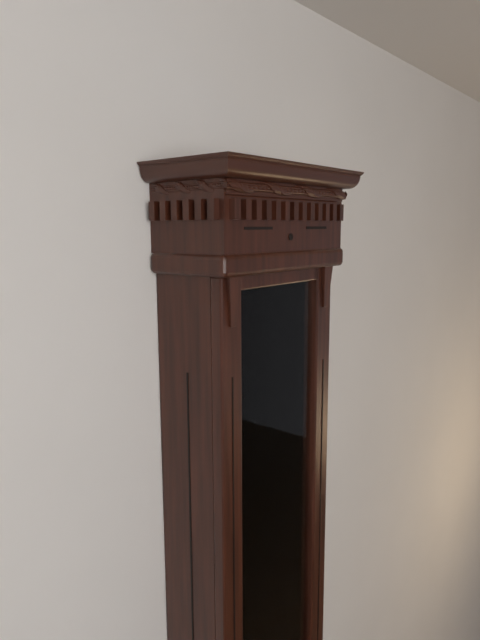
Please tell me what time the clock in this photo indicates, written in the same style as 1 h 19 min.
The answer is 5 h 21 min
